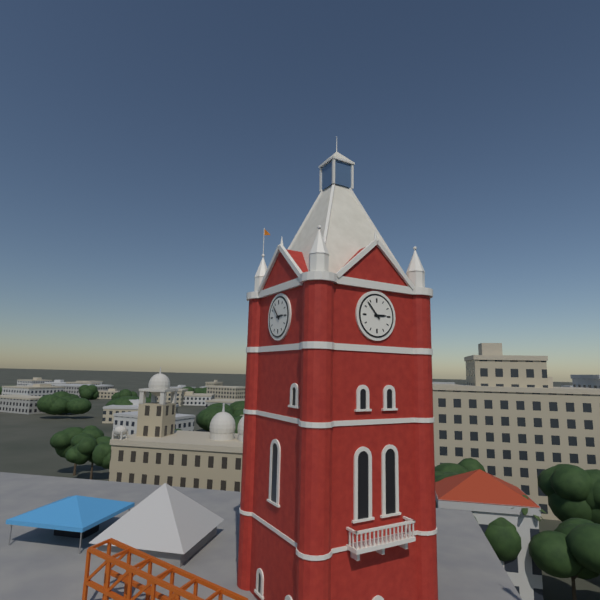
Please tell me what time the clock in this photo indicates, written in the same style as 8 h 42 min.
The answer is 2 h 53 min
